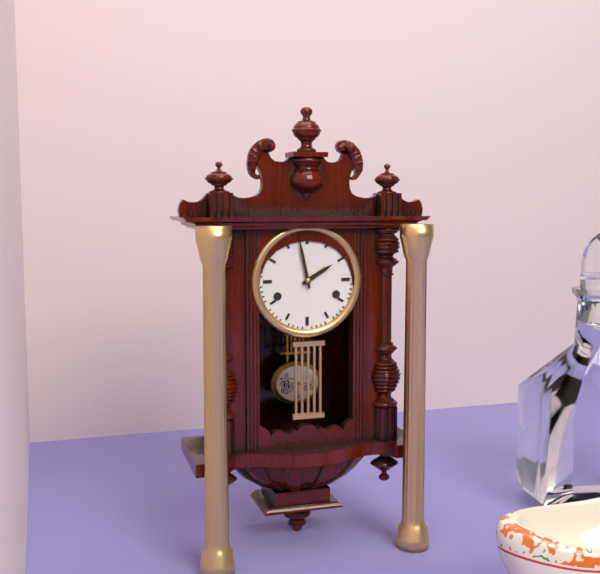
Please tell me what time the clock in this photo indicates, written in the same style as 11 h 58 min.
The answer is 1 h 58 min
